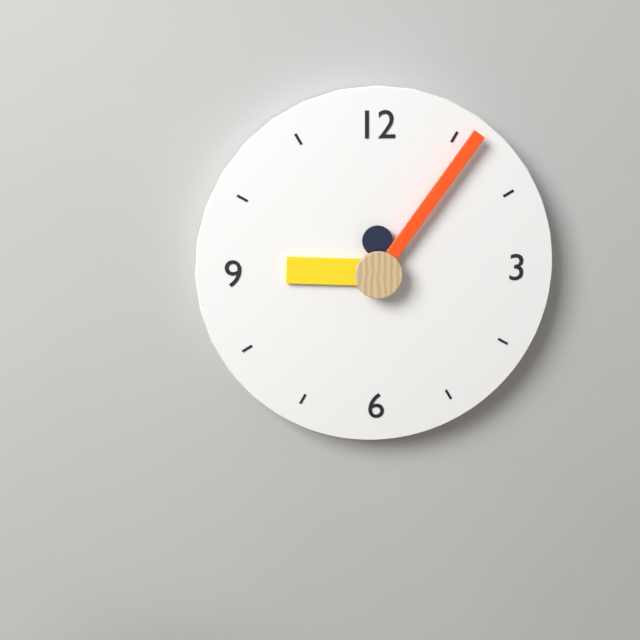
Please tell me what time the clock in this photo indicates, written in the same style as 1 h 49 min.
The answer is 9 h 06 min
